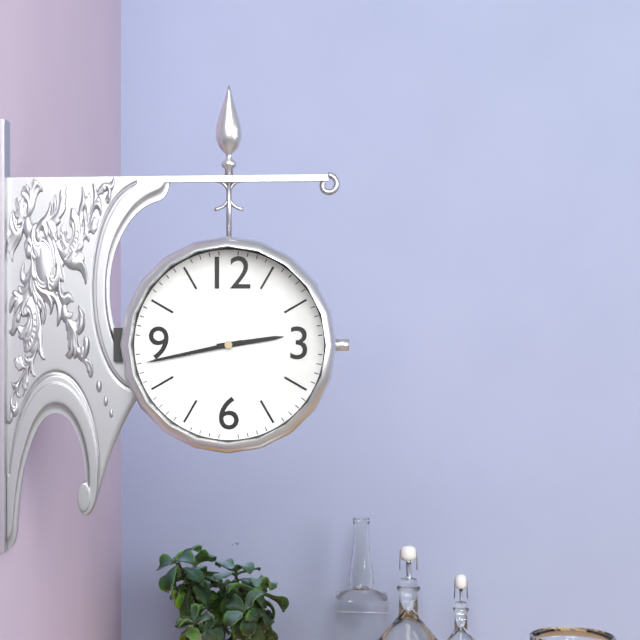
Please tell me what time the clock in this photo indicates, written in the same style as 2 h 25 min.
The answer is 2 h 43 min
